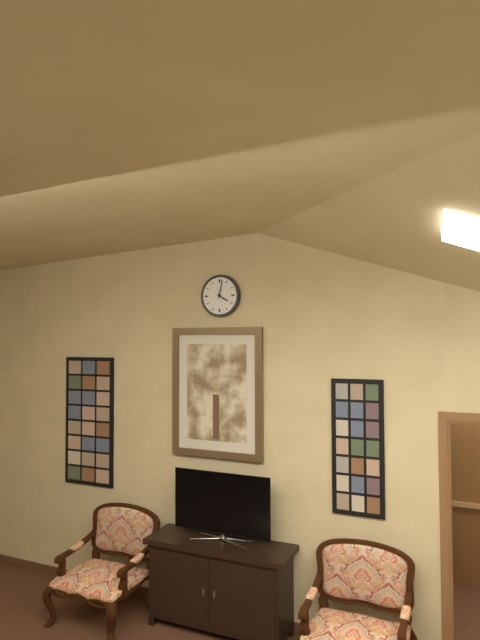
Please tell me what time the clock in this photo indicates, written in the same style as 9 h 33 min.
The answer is 4 h 02 min
